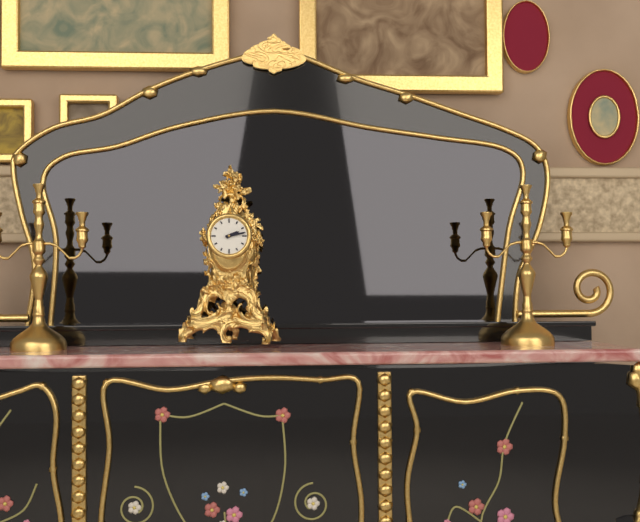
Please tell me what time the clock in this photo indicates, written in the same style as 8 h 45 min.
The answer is 2 h 13 min
